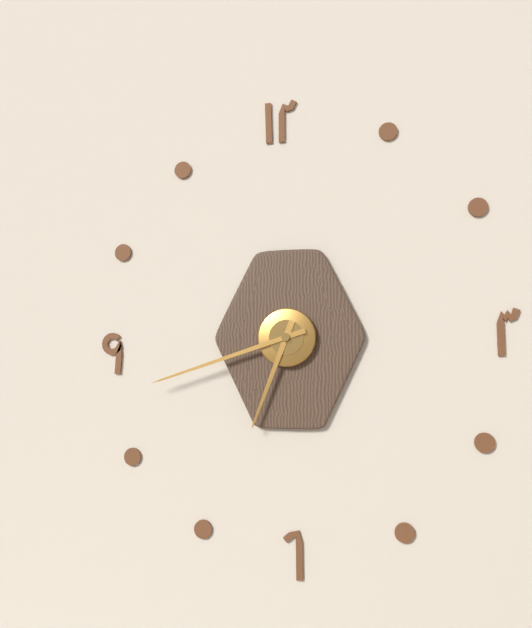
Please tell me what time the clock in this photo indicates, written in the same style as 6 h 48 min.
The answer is 6 h 42 min
